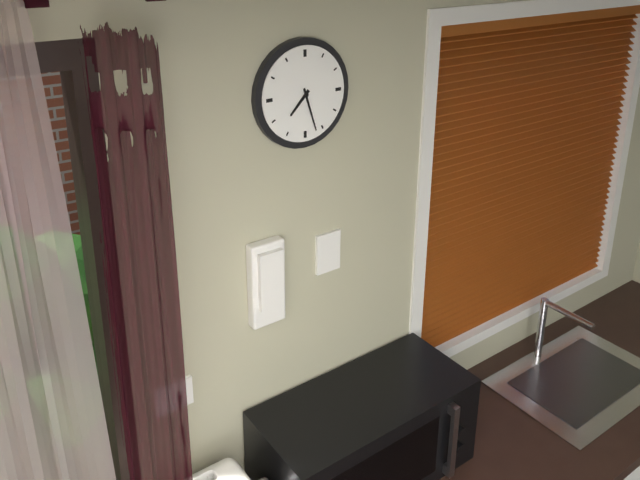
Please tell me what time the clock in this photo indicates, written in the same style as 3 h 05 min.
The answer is 7 h 27 min
